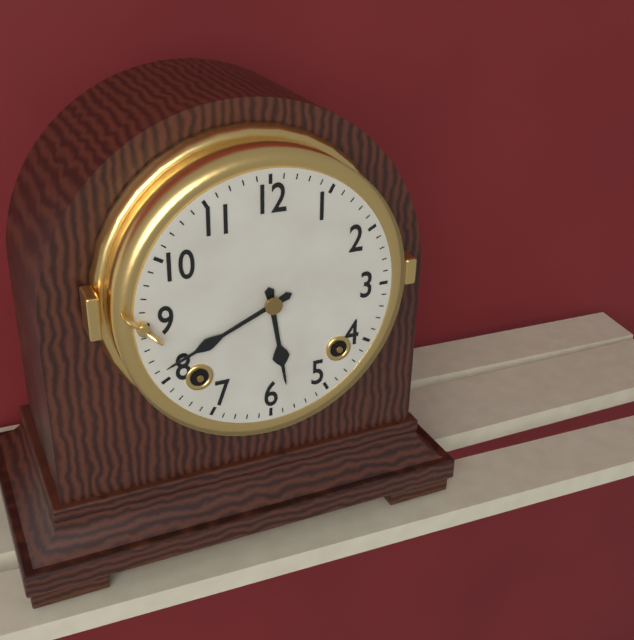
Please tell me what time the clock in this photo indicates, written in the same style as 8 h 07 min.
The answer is 5 h 41 min
